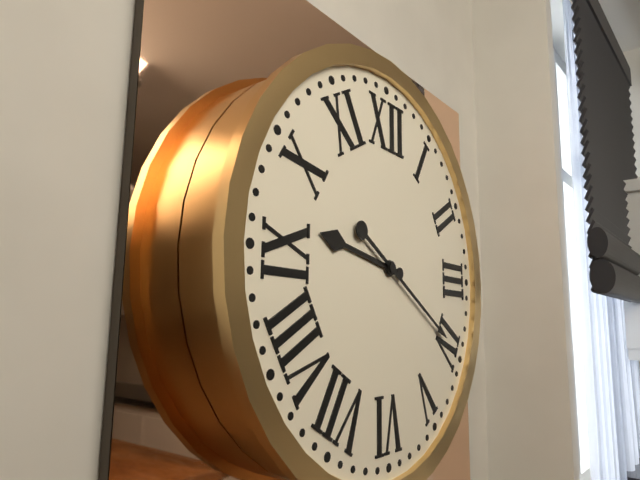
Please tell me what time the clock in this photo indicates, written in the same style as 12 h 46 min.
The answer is 9 h 20 min
